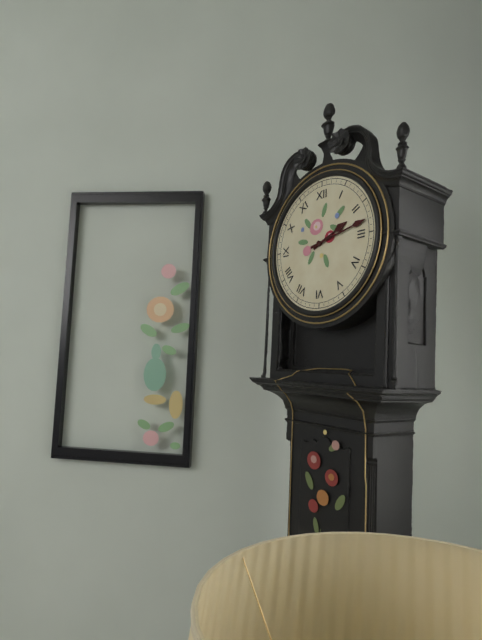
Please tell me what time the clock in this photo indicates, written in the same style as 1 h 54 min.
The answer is 2 h 13 min
